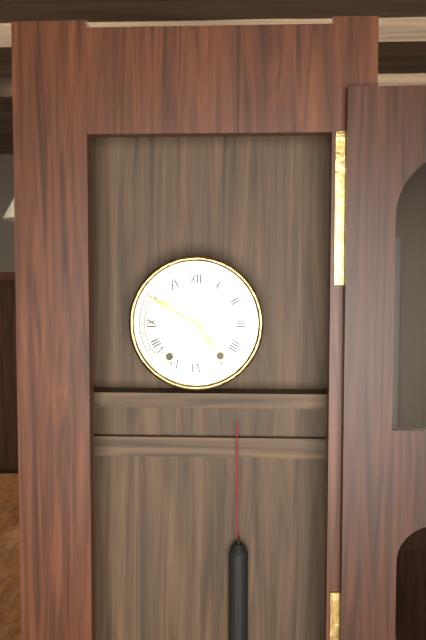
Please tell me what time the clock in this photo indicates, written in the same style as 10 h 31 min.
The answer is 4 h 50 min
